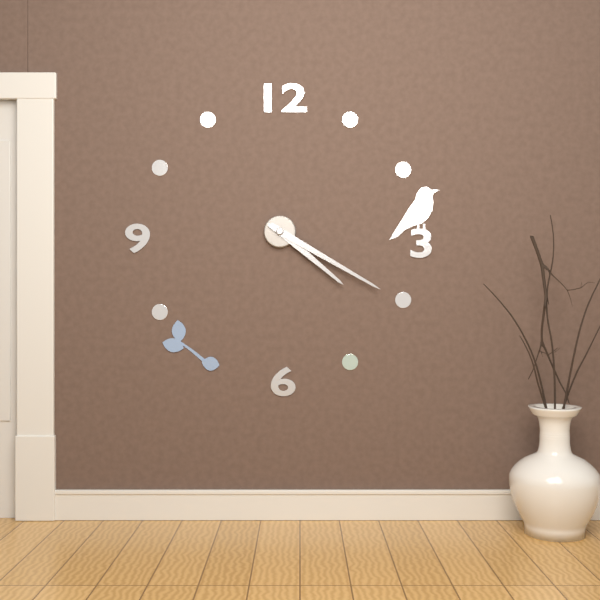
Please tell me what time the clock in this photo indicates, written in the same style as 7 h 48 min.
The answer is 4 h 20 min
